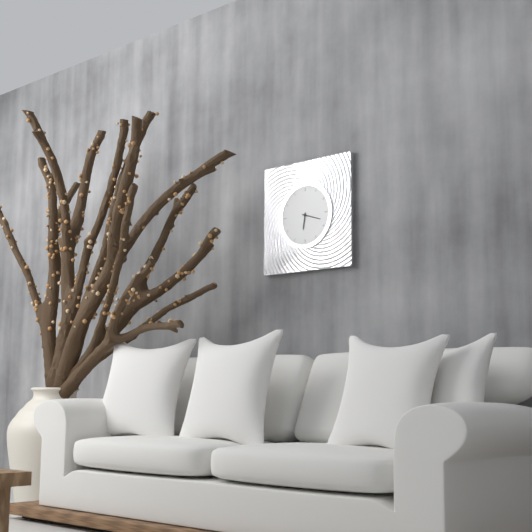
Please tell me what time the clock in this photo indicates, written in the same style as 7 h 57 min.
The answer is 6 h 18 min
